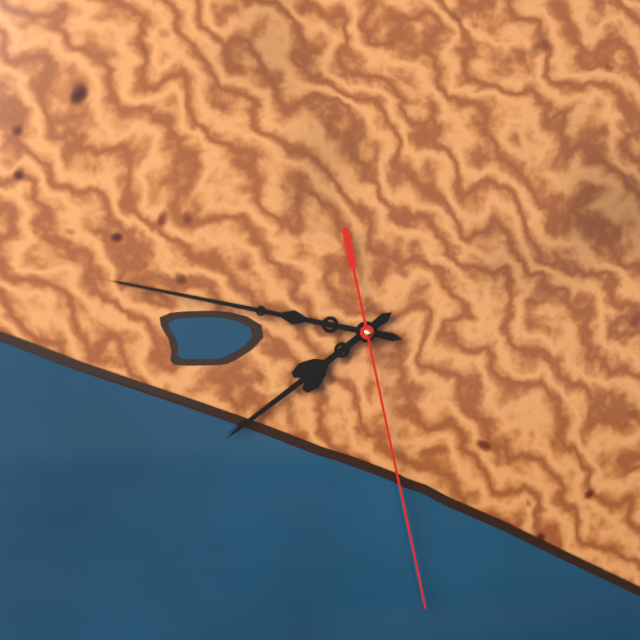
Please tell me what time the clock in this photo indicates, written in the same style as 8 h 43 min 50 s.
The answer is 7 h 47 min 28 s
